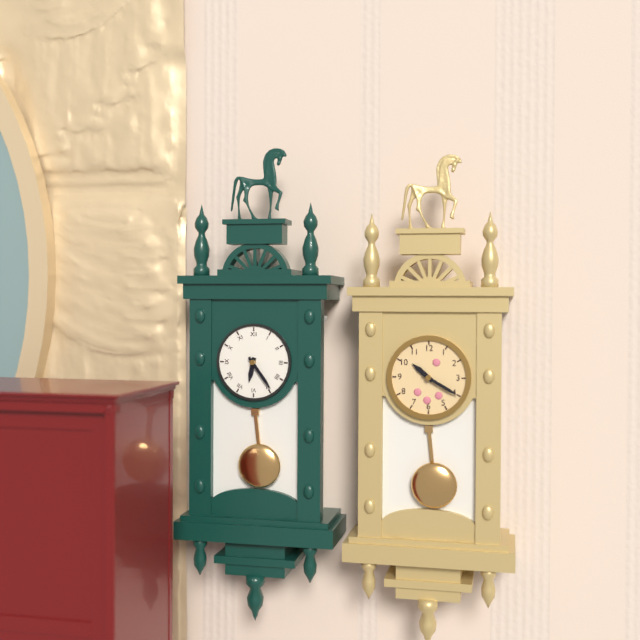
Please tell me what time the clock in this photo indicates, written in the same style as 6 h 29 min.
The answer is 6 h 24 min
